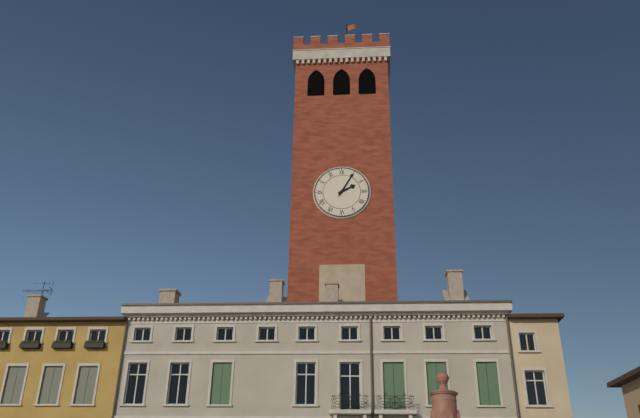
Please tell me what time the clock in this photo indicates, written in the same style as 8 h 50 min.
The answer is 2 h 05 min
